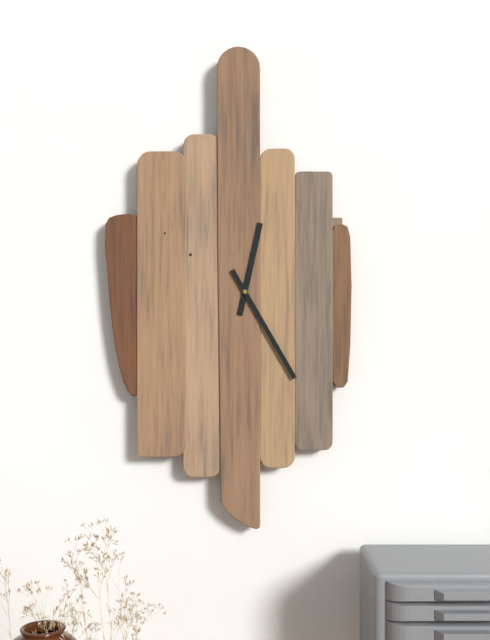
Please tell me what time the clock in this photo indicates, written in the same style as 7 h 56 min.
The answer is 12 h 25 min
